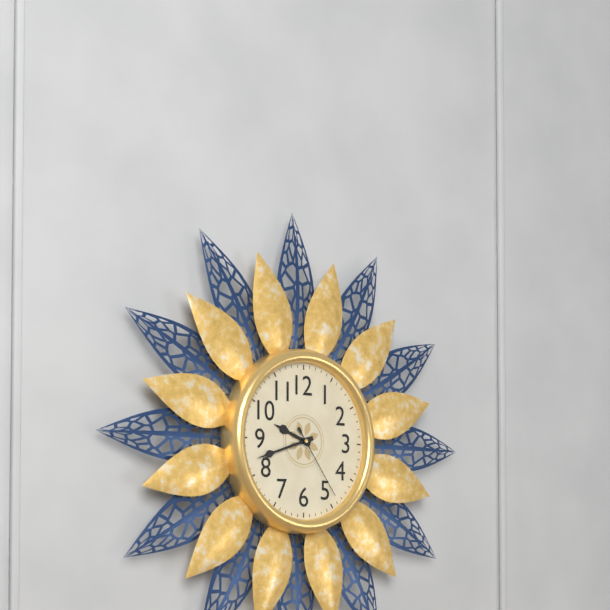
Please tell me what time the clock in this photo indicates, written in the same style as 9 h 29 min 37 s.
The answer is 9 h 42 min 24 s
